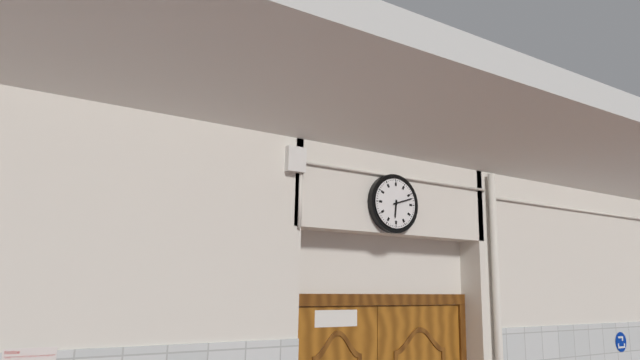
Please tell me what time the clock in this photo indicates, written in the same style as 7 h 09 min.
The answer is 6 h 12 min
